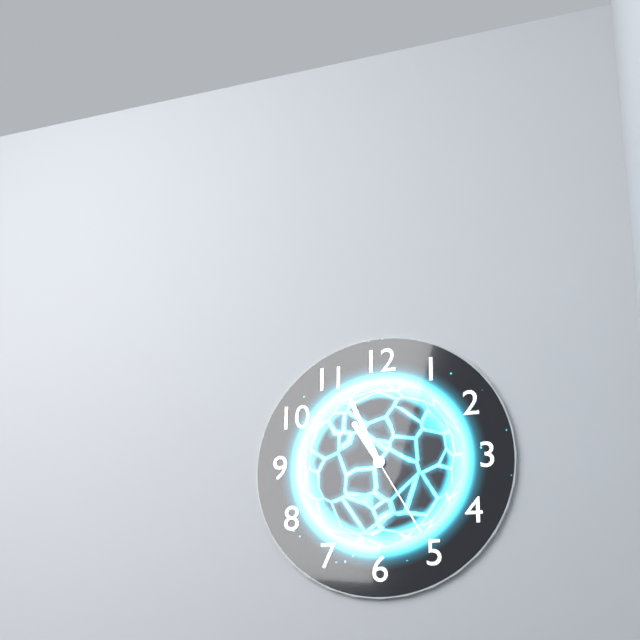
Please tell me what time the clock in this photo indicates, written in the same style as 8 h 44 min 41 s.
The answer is 10 h 56 min 25 s
